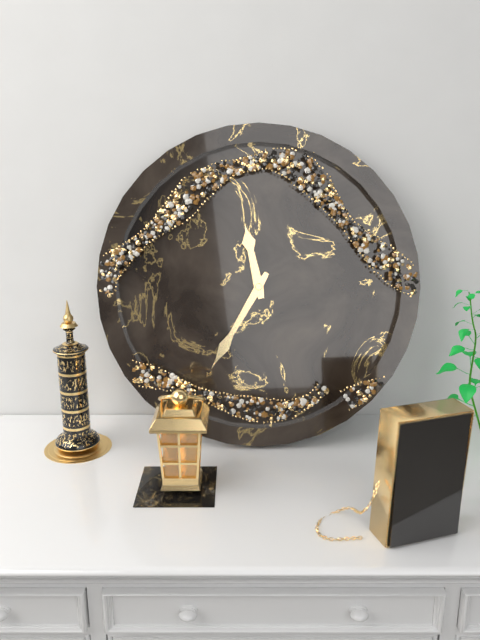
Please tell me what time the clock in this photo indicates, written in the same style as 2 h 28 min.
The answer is 11 h 35 min
